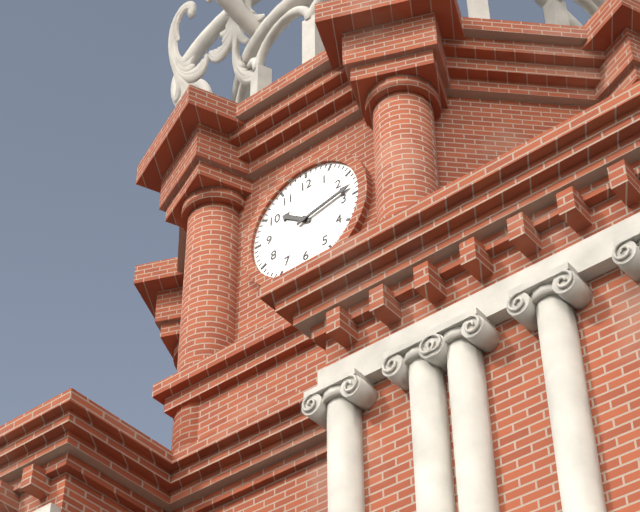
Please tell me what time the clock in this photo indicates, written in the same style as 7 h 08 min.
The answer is 10 h 13 min
